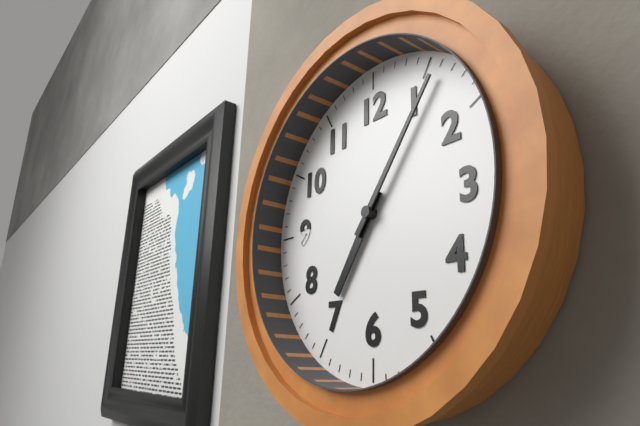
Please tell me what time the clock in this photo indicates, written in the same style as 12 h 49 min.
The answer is 7 h 06 min
